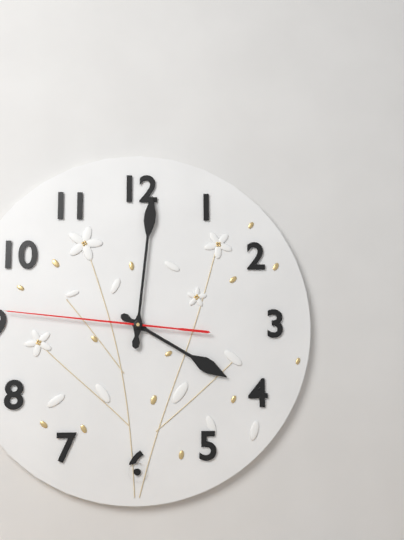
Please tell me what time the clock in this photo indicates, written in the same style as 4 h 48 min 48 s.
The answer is 4 h 01 min 46 s
